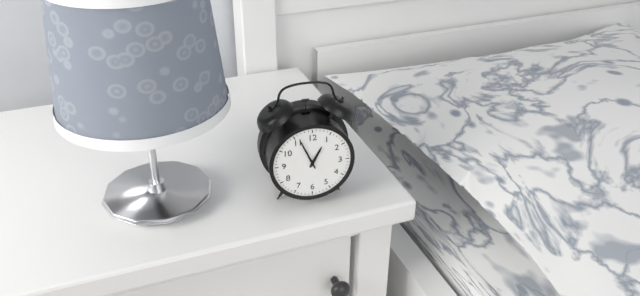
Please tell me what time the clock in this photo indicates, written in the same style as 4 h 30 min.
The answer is 12 h 56 min
